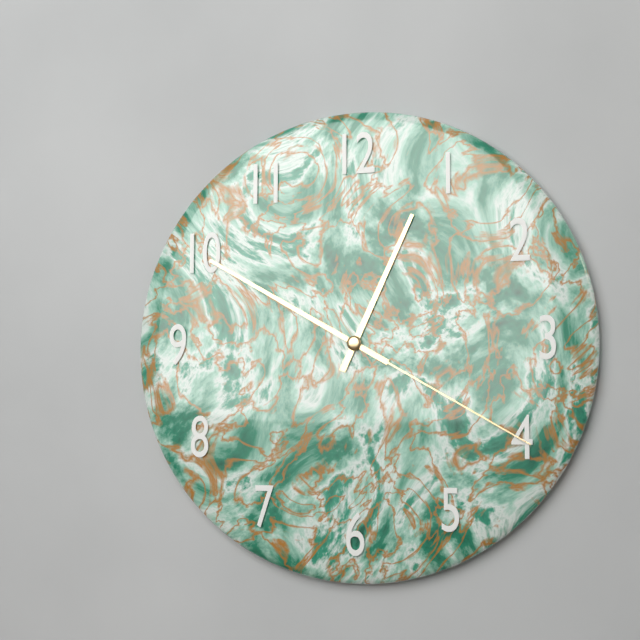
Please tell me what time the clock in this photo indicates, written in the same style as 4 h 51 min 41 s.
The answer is 12 h 50 min 20 s
